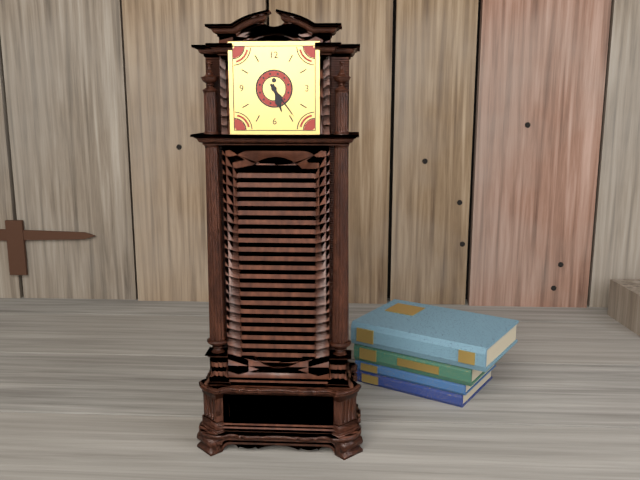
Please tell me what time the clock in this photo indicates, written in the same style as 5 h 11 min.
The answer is 5 h 24 min
